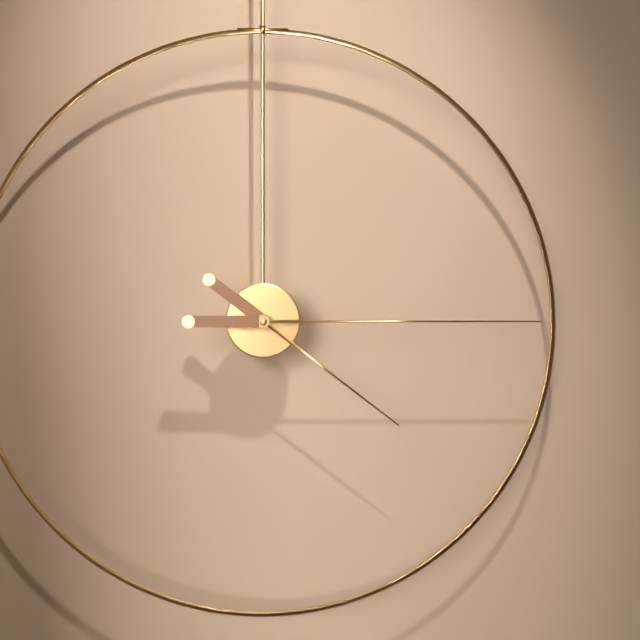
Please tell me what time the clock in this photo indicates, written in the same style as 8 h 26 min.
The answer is 4 h 15 min
